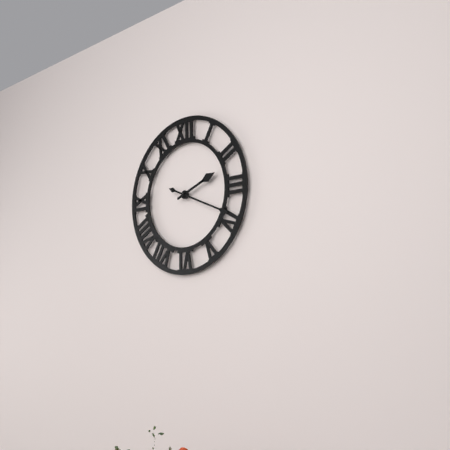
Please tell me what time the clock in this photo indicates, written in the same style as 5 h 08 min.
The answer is 2 h 19 min
